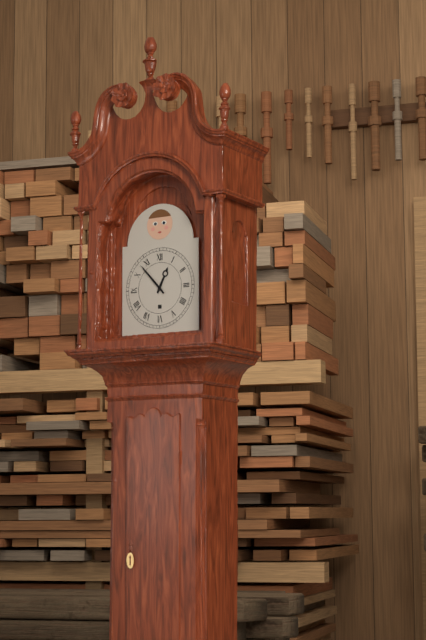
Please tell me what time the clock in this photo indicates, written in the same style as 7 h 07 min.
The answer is 12 h 53 min
